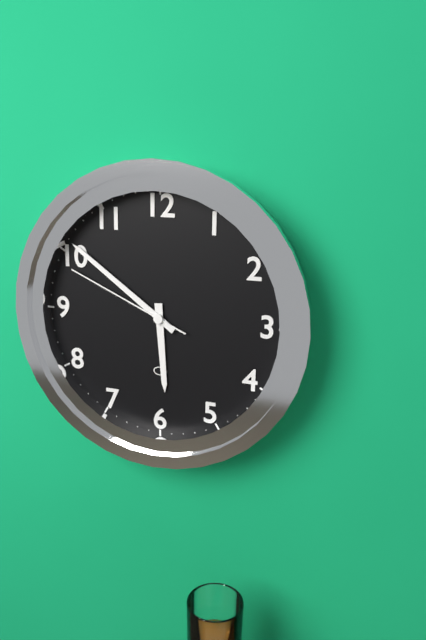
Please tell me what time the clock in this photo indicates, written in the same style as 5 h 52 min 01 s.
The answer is 5 h 51 min 49 s
